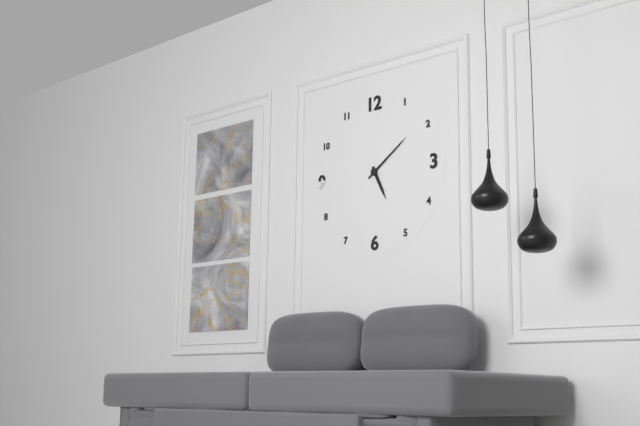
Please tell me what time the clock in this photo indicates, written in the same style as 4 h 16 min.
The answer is 5 h 09 min
